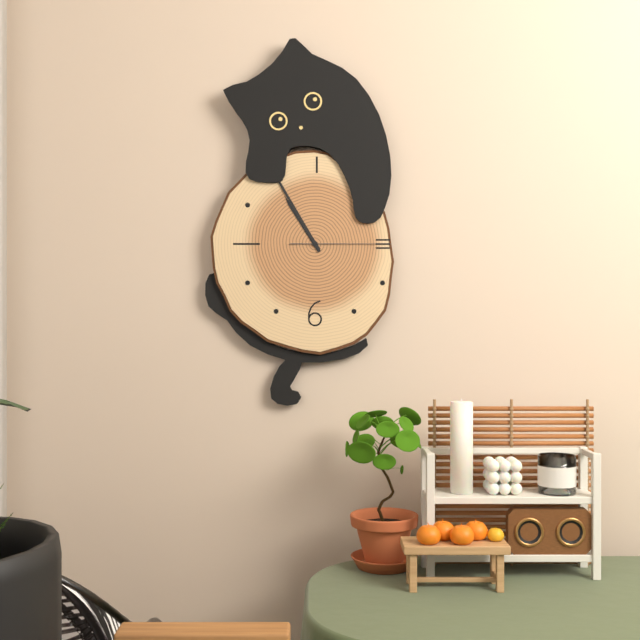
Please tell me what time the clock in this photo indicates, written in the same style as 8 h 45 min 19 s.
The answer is 10 h 55 min 15 s
